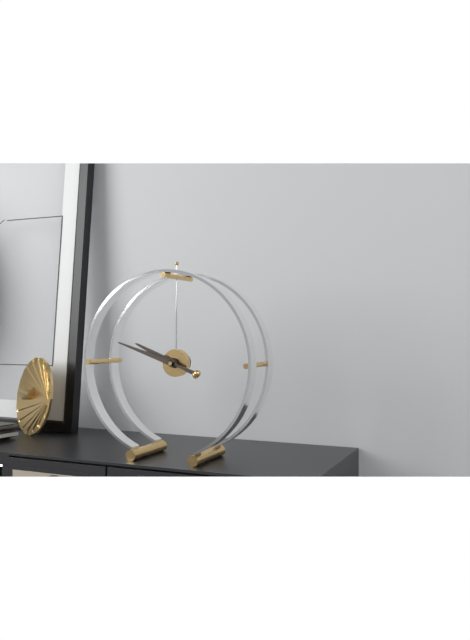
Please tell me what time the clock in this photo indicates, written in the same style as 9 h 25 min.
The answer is 9 h 48 min
